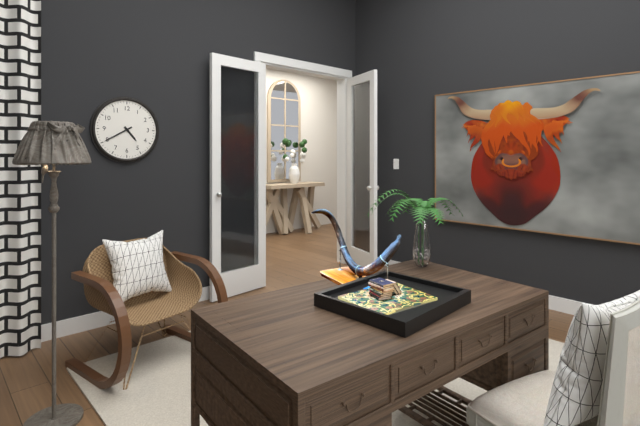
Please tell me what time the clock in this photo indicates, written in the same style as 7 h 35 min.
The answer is 4 h 40 min
